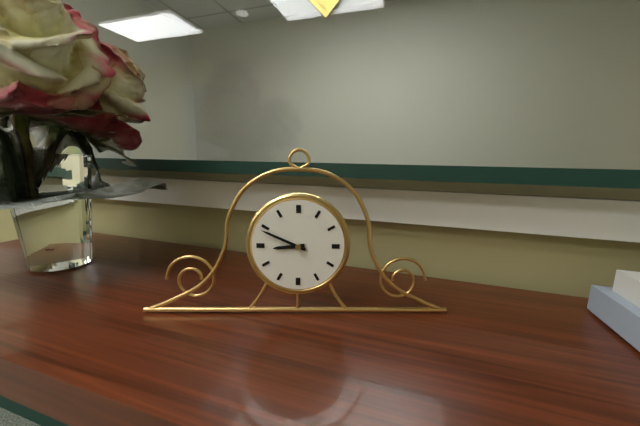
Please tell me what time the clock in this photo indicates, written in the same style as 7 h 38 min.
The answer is 8 h 49 min
